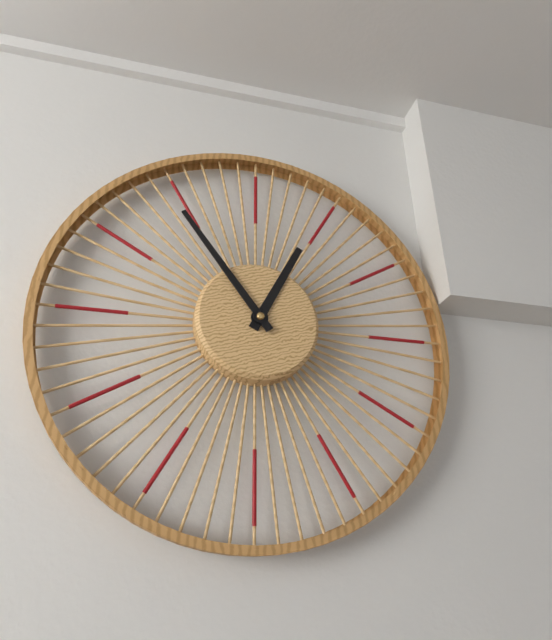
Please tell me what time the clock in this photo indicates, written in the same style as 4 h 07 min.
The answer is 12 h 54 min
